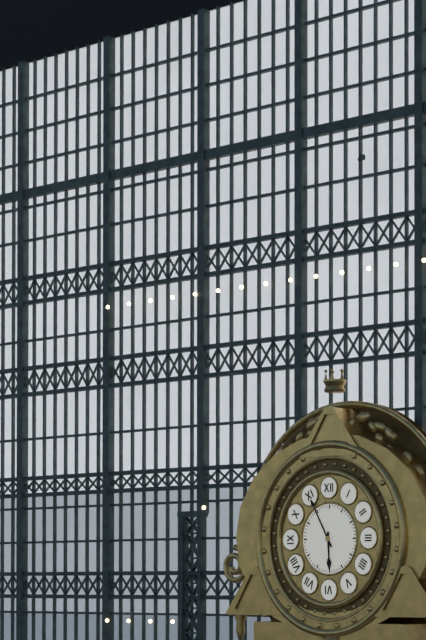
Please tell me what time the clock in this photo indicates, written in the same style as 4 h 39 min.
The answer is 5 h 55 min
